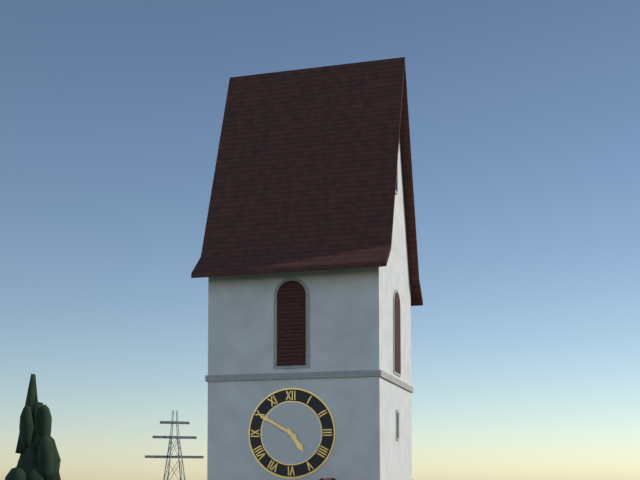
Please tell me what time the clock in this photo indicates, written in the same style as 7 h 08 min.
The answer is 4 h 50 min
